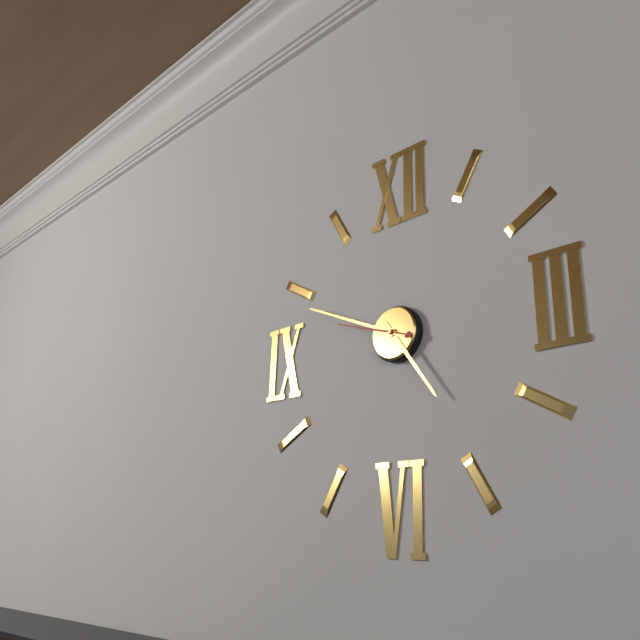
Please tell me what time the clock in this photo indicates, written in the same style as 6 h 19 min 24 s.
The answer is 4 h 49 min 48 s
